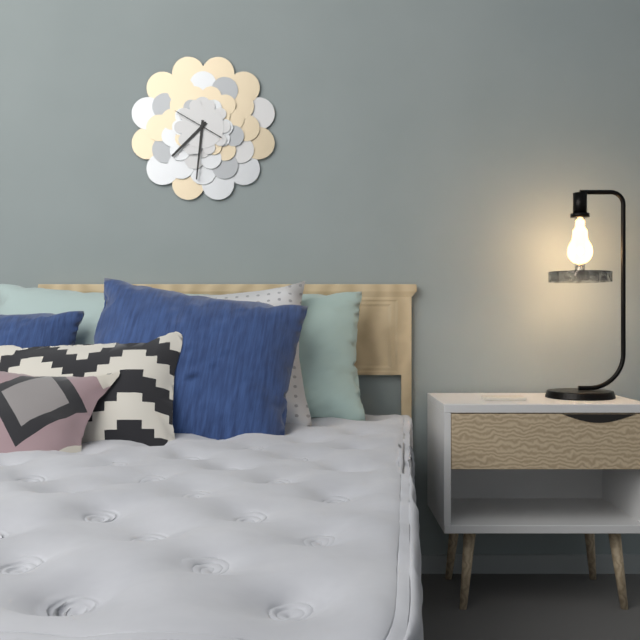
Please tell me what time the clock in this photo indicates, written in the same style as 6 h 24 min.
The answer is 7 h 31 min
